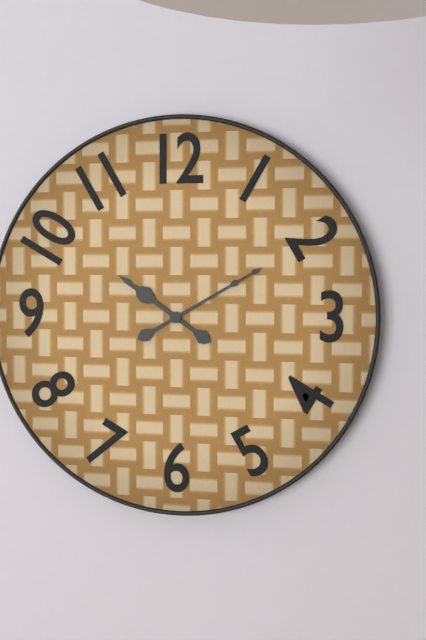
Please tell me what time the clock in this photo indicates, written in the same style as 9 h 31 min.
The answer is 10 h 10 min
